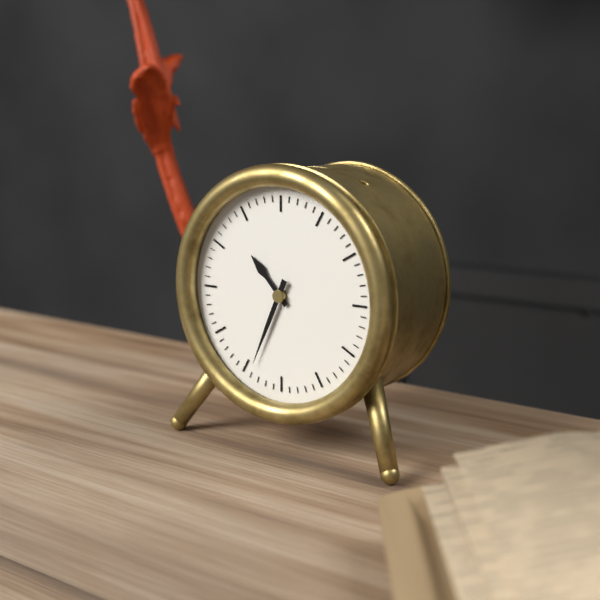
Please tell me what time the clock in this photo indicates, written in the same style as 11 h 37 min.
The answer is 10 h 34 min
